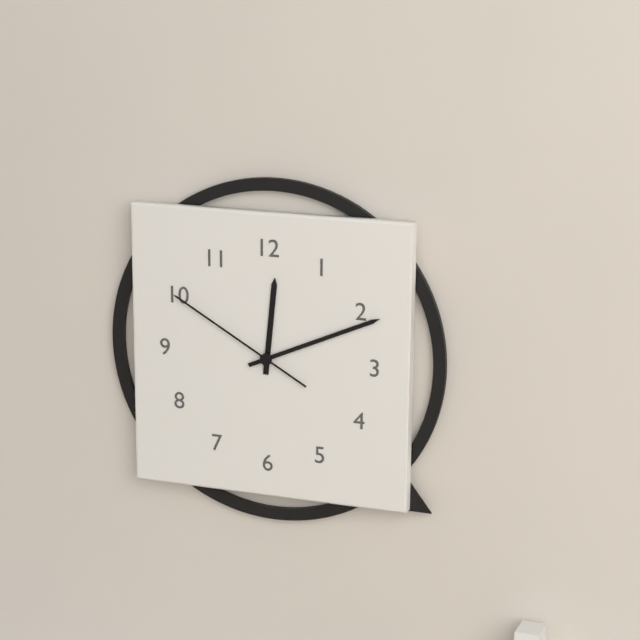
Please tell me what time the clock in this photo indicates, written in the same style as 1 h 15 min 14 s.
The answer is 12 h 11 min 50 s
